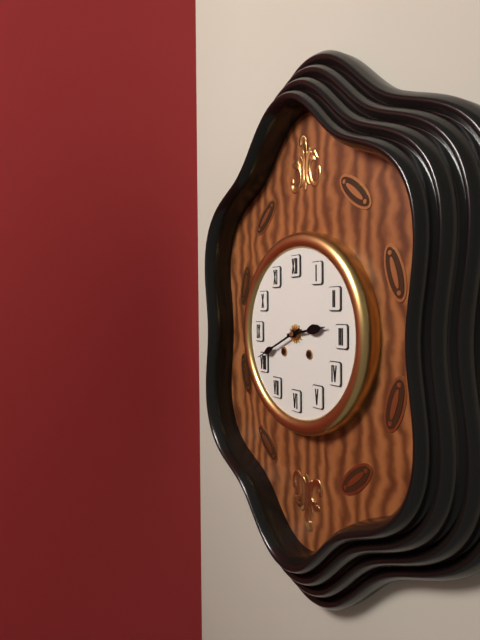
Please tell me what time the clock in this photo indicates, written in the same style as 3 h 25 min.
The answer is 2 h 41 min
